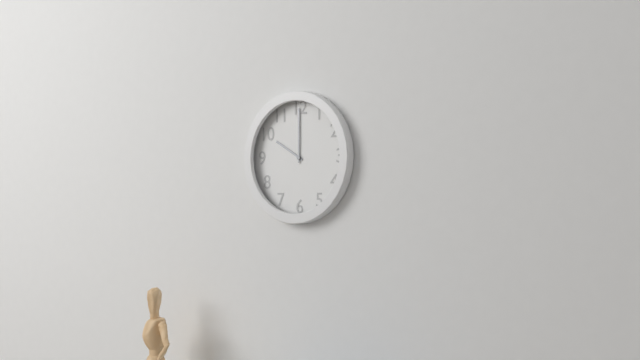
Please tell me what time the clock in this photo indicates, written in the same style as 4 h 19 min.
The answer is 10 h 00 min
